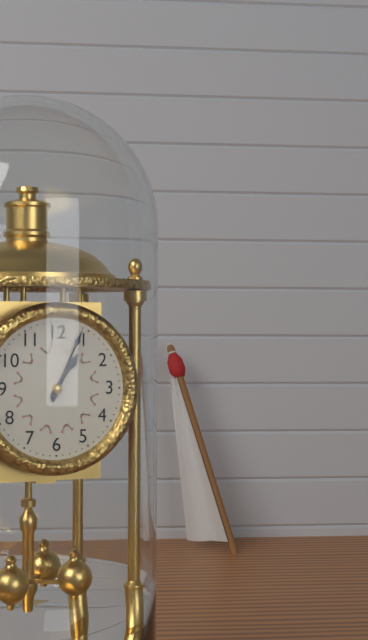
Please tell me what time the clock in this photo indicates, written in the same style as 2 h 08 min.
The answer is 1 h 04 min
